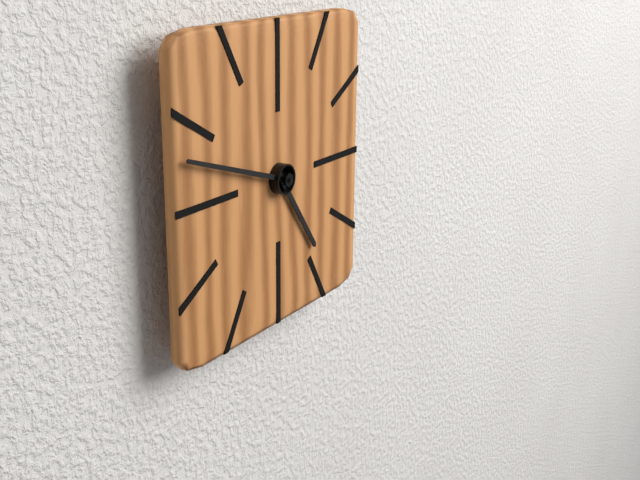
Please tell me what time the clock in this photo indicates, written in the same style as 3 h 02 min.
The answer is 4 h 48 min
